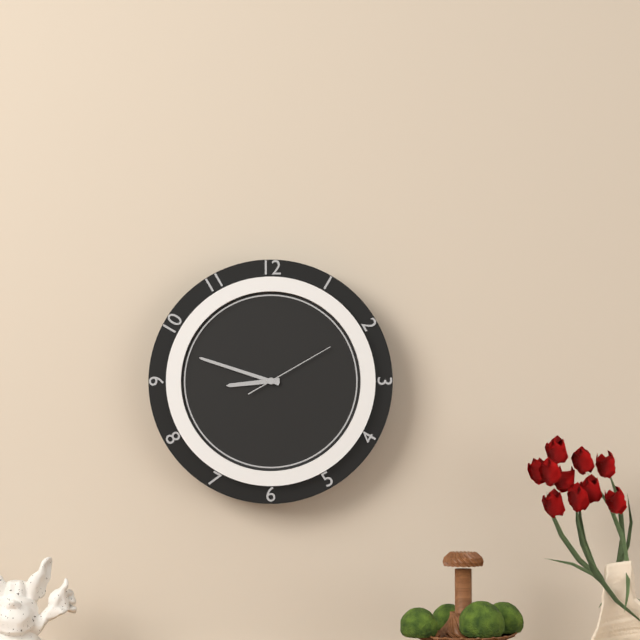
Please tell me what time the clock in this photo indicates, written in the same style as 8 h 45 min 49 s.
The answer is 8 h 48 min 10 s
